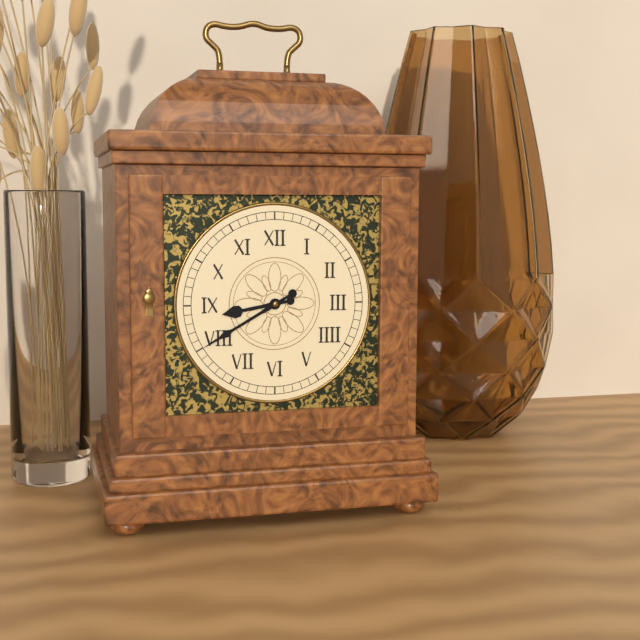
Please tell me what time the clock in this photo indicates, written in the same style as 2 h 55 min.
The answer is 8 h 40 min
